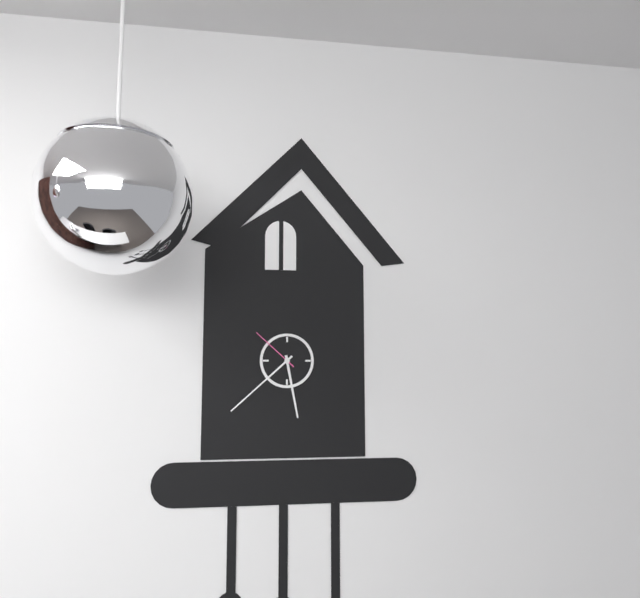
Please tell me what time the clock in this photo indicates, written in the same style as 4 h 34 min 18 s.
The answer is 5 h 38 min 52 s
